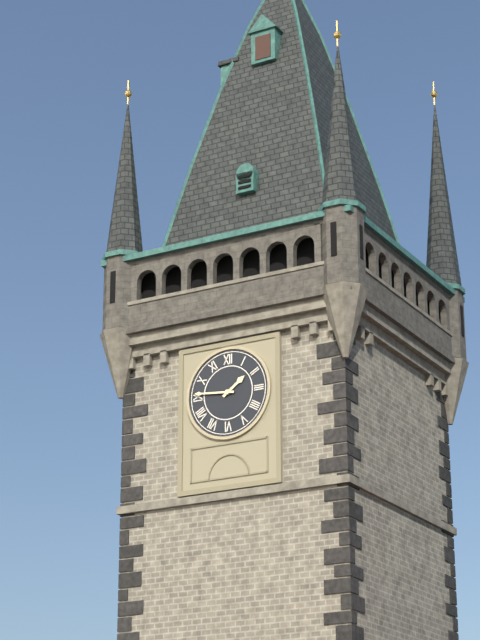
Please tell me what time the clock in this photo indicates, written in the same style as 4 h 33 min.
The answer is 1 h 46 min
